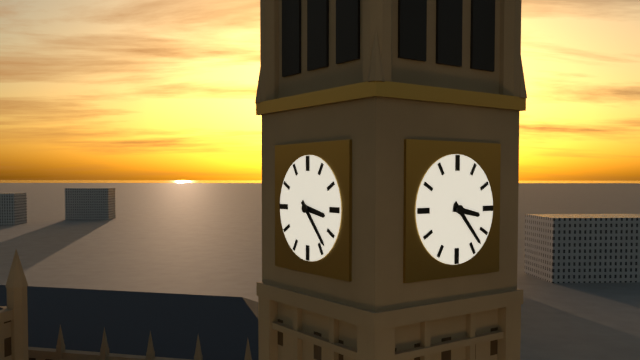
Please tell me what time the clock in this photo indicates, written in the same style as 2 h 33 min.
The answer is 3 h 23 min
